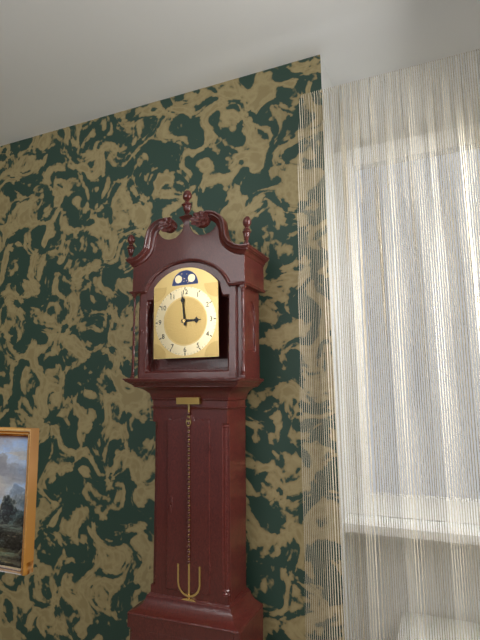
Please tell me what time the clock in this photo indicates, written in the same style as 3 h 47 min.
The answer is 2 h 59 min
